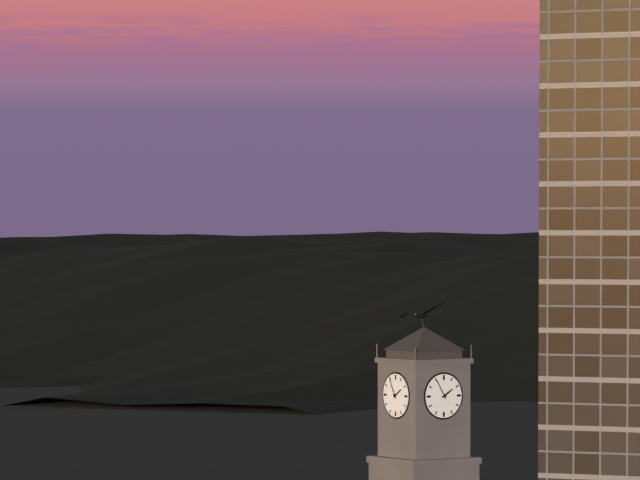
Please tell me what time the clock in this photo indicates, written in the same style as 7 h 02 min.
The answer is 1 h 55 min
